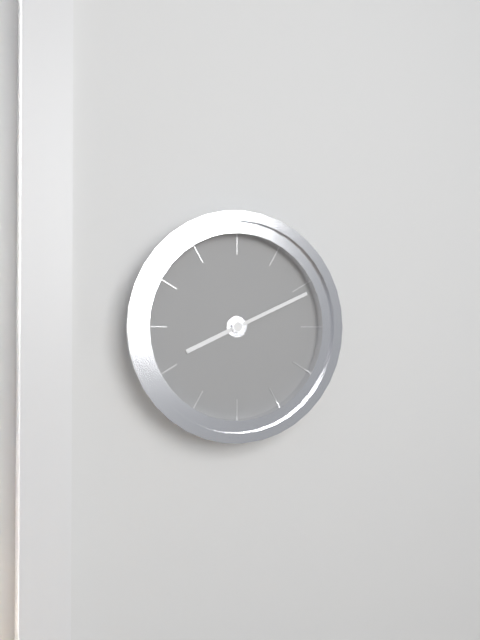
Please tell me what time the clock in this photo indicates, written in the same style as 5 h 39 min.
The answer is 8 h 11 min
